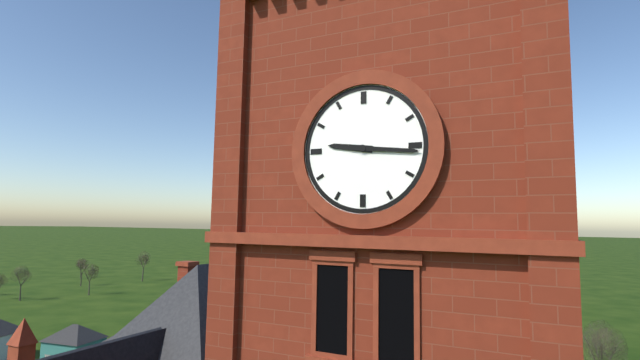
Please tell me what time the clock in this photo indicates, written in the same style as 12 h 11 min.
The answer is 9 h 16 min
